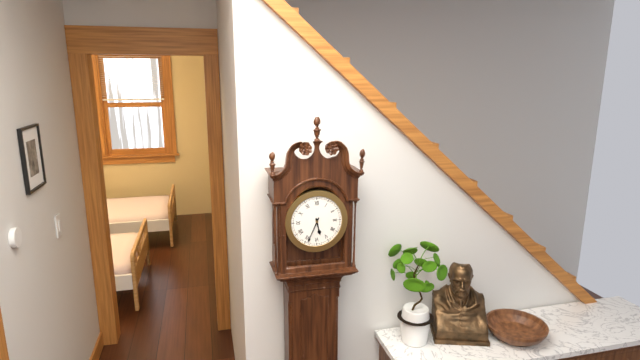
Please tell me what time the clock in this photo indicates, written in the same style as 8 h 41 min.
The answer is 5 h 34 min
